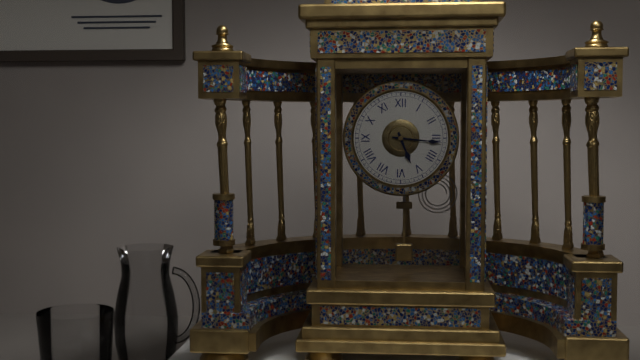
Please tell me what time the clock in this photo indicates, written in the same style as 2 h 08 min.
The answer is 5 h 16 min
